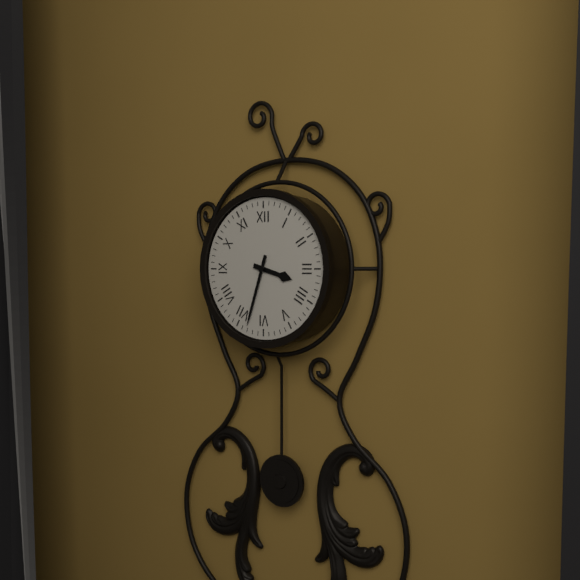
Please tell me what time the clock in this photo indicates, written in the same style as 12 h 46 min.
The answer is 3 h 33 min
